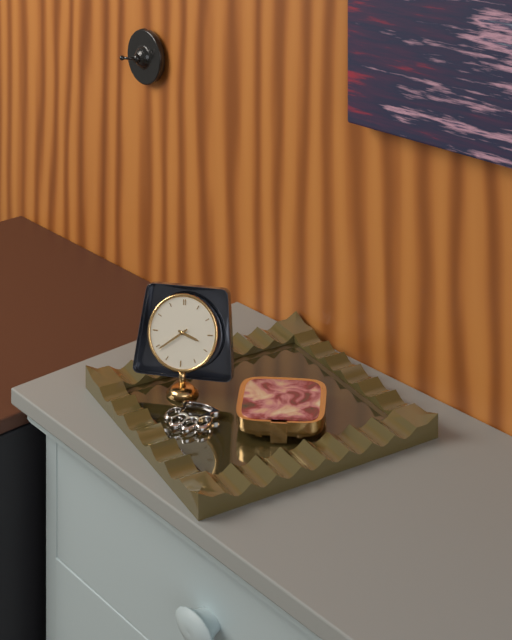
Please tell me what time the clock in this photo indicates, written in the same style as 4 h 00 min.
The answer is 3 h 39 min
